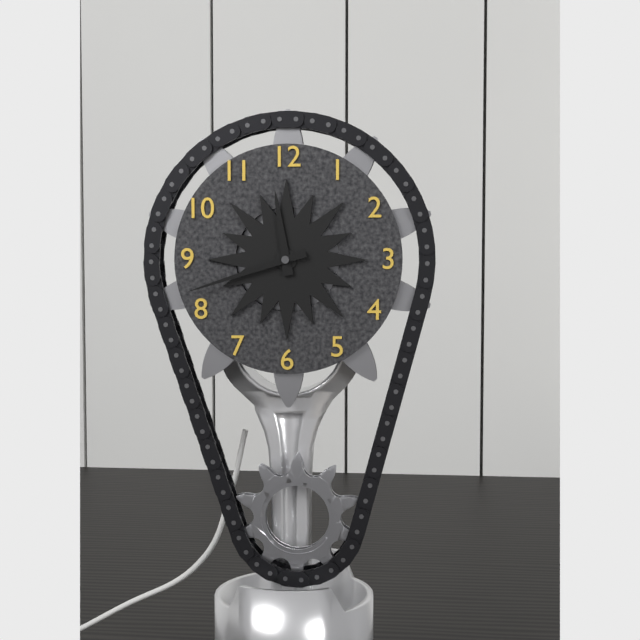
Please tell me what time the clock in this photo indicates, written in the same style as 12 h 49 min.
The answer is 11 h 42 min
